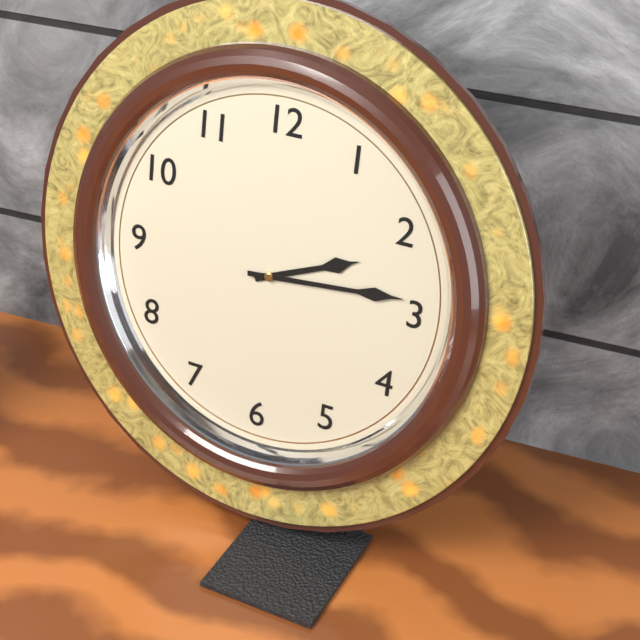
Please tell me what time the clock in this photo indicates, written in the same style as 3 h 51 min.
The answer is 2 h 14 min
